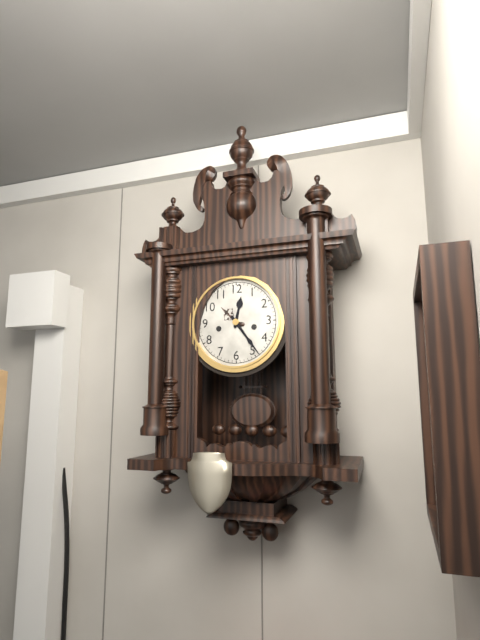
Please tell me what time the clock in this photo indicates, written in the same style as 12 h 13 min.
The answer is 12 h 24 min
